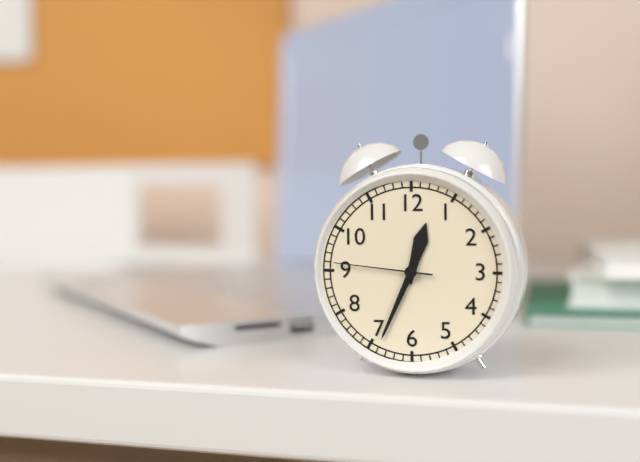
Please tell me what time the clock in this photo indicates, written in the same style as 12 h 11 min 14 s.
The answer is 12 h 34 min 46 s
